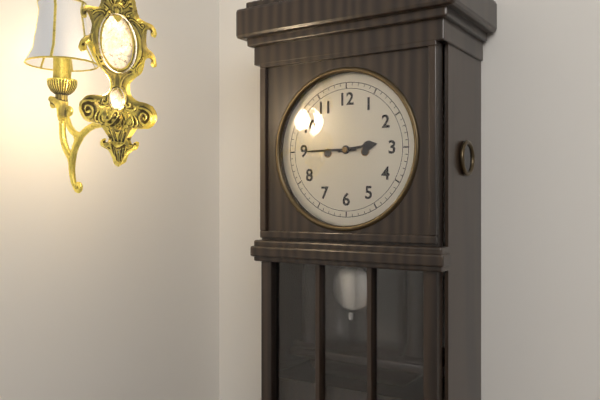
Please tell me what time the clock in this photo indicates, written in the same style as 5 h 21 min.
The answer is 2 h 45 min
